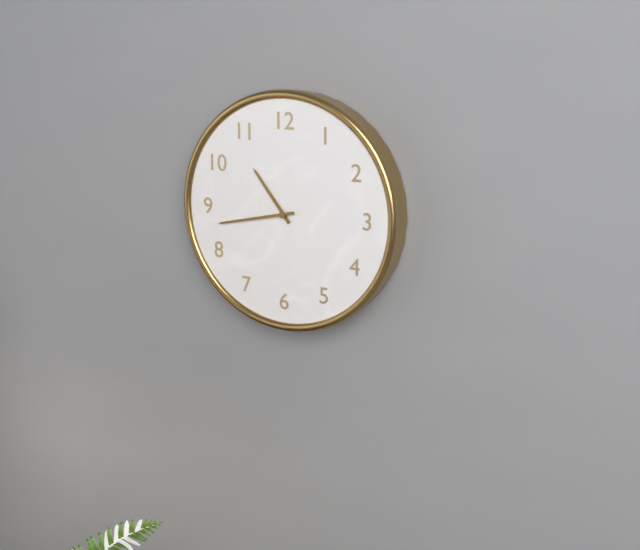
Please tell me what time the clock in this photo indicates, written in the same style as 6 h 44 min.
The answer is 10 h 43 min
